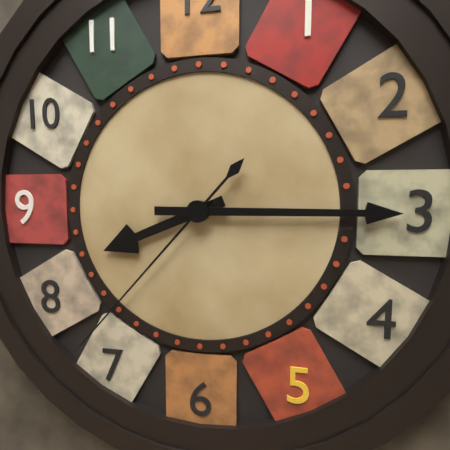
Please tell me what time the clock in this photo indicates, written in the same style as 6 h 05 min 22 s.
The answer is 8 h 15 min 37 s
